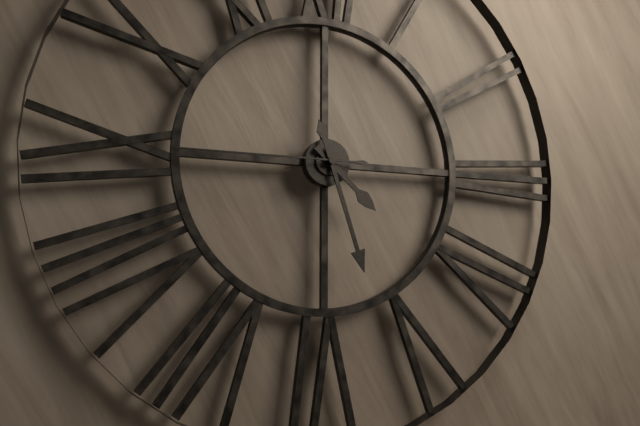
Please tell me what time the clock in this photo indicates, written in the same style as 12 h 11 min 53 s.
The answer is 4 h 27 min 45 s
